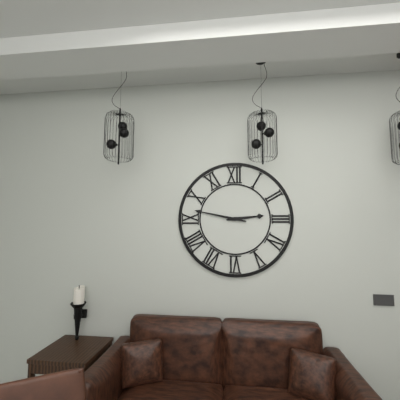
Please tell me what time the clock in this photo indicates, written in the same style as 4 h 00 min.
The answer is 2 h 47 min
